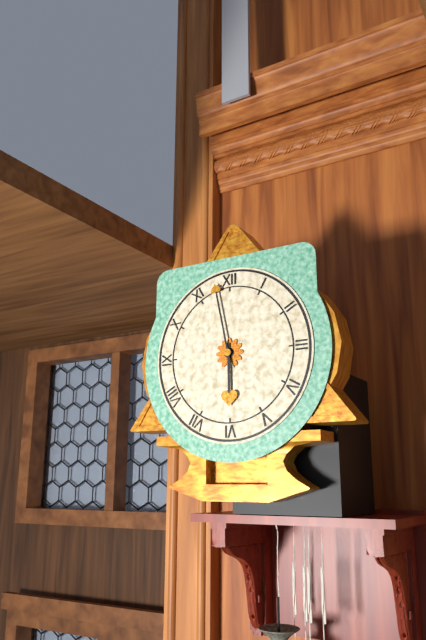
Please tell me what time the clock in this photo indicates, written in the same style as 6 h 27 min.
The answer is 5 h 58 min
